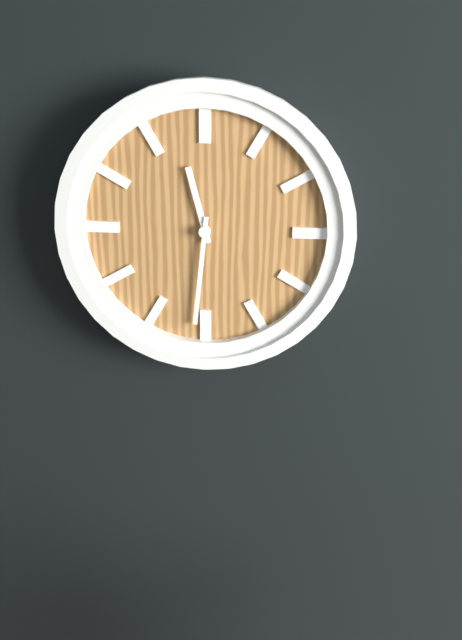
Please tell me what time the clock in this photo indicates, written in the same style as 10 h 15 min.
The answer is 11 h 31 min
